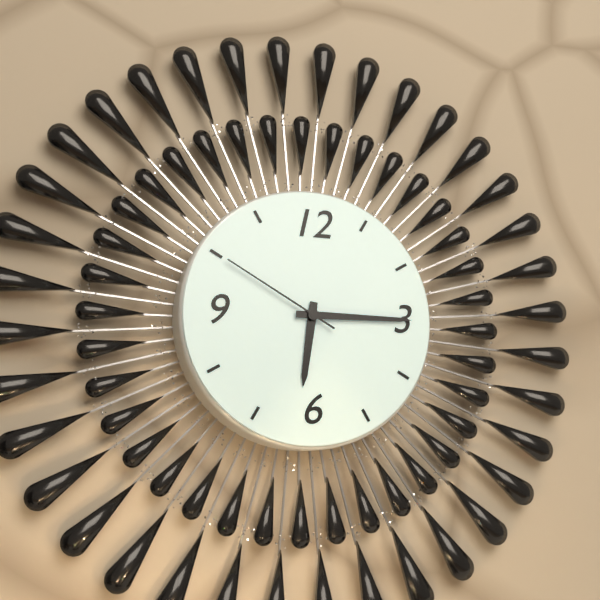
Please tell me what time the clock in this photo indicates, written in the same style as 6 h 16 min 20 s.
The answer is 6 h 15 min 50 s
